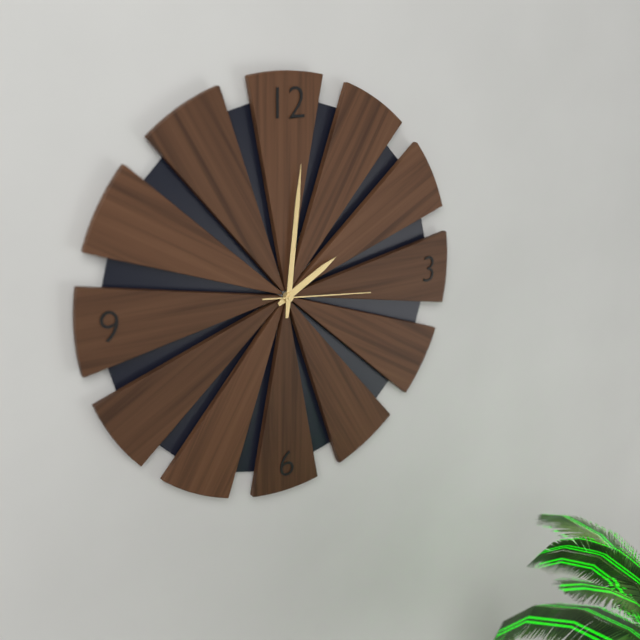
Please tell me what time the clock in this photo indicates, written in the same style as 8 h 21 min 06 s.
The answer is 2 h 01 min 16 s
